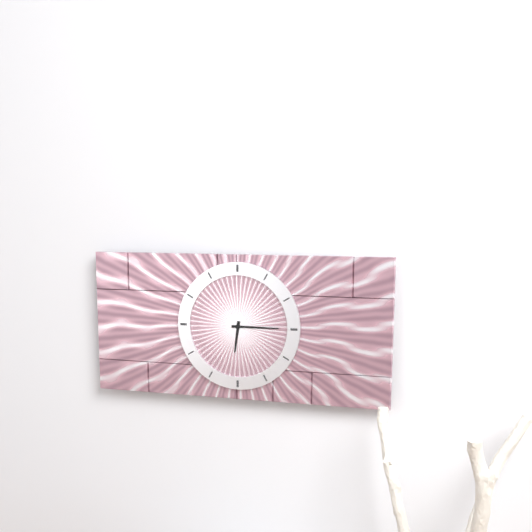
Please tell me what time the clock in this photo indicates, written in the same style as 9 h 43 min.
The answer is 6 h 15 min
